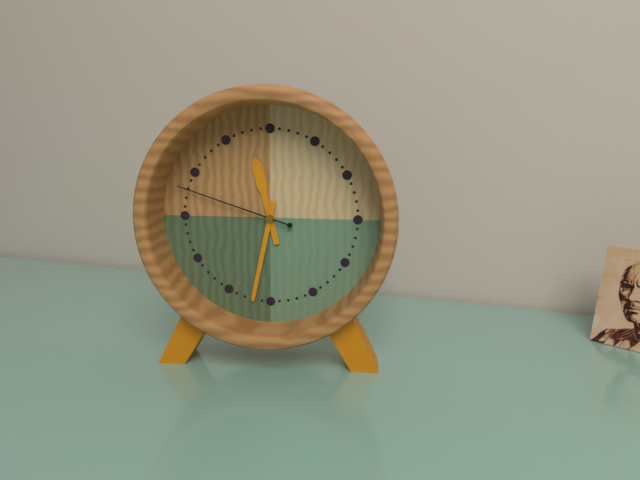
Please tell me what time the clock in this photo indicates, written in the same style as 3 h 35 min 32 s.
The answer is 11 h 32 min 48 s
